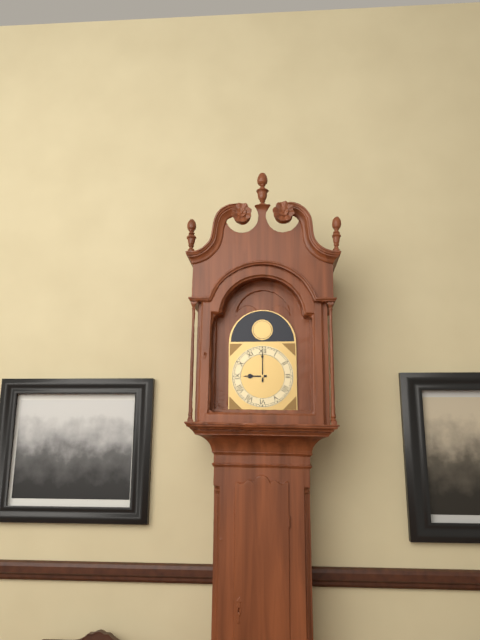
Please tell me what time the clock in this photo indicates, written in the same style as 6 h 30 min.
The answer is 9 h 00 min
